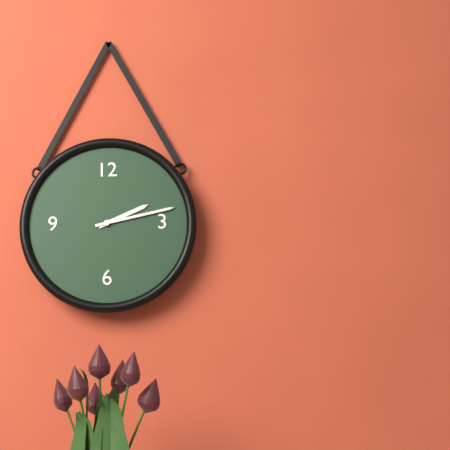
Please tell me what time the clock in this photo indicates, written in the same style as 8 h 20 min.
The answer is 2 h 13 min
